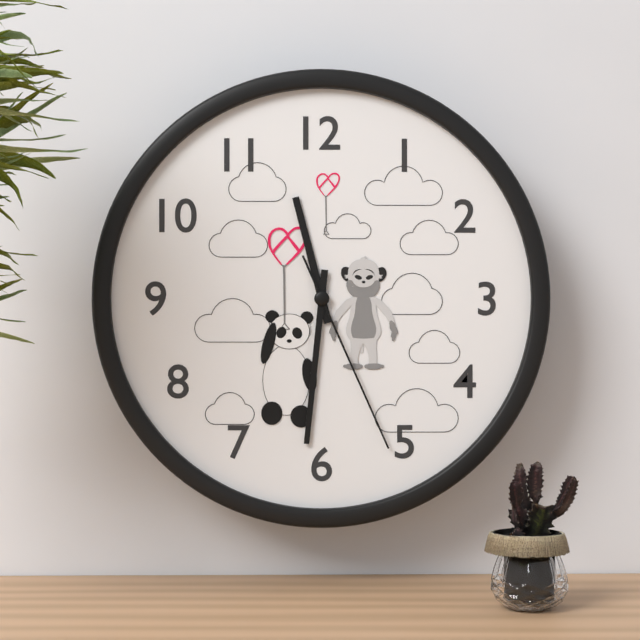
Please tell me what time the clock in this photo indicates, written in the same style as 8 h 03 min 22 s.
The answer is 11 h 31 min 26 s
